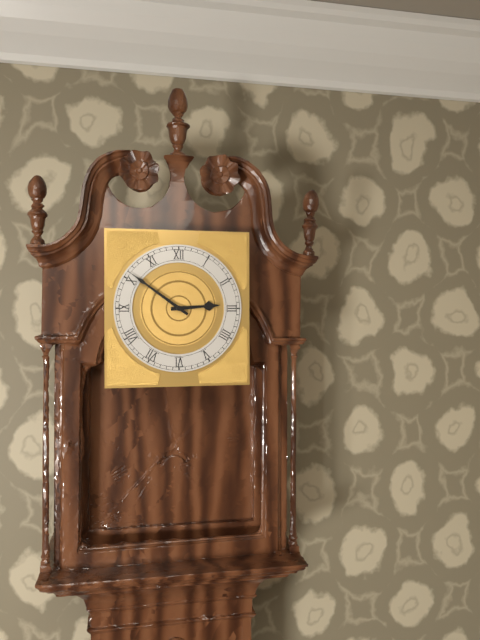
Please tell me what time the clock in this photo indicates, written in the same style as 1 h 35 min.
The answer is 2 h 51 min
